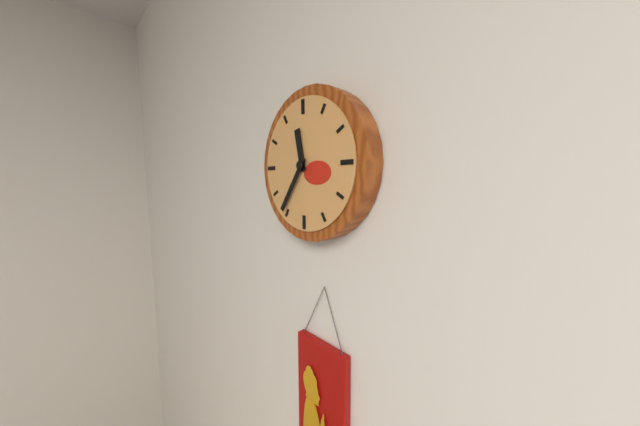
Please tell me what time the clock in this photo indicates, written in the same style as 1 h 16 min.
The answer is 11 h 36 min
